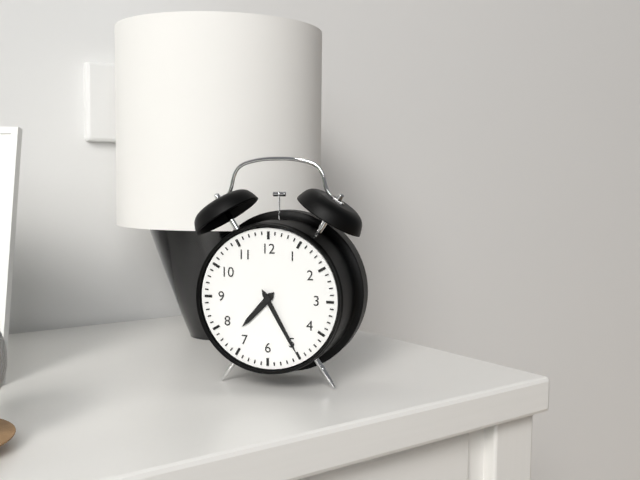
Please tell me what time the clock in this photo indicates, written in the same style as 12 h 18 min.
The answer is 7 h 25 min
